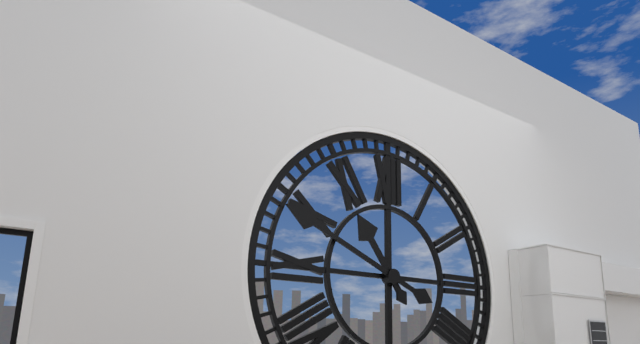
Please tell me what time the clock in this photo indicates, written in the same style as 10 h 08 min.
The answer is 10 h 49 min
